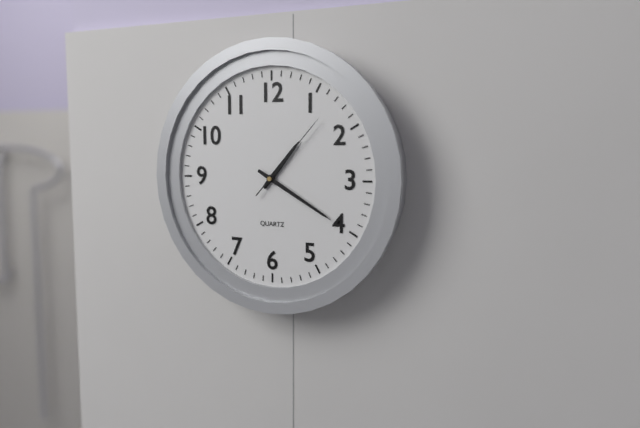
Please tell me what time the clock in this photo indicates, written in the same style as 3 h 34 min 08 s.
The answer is 1 h 20 min 07 s
